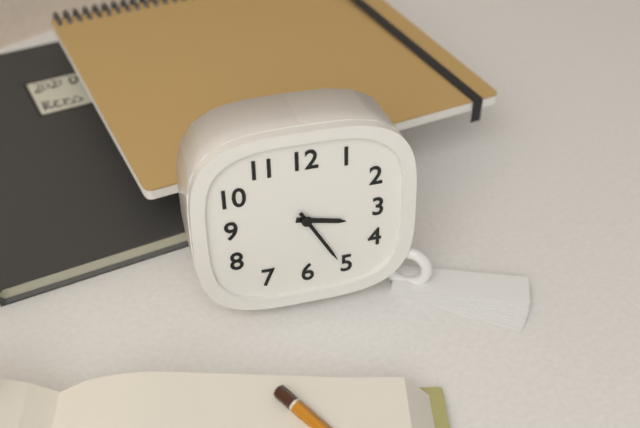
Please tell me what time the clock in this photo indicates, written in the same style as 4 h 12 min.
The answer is 3 h 25 min
